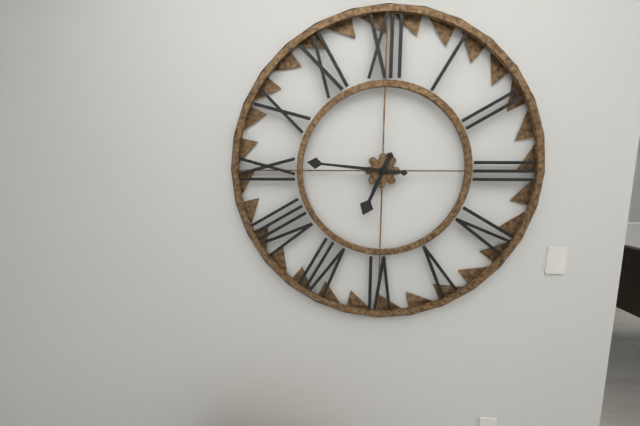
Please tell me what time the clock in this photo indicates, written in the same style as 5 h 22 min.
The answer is 6 h 46 min
